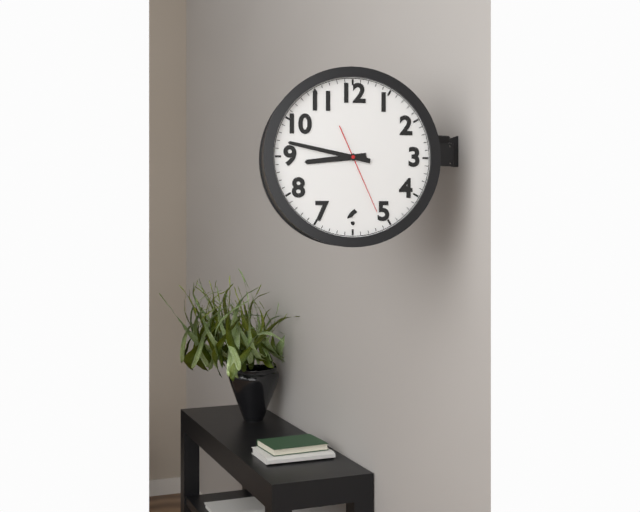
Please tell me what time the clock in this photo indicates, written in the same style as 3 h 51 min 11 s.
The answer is 8 h 47 min 26 s
